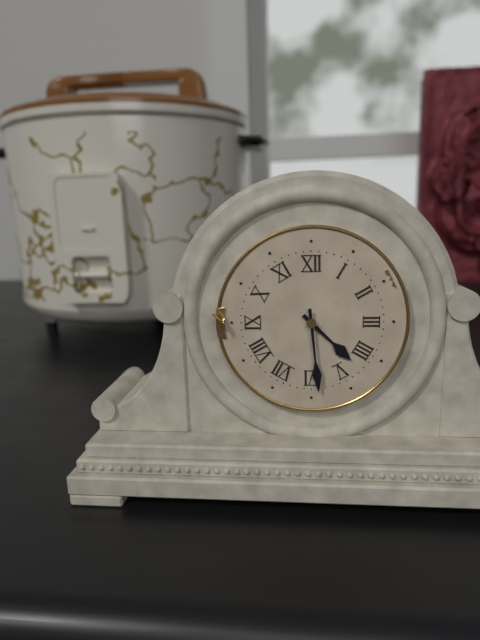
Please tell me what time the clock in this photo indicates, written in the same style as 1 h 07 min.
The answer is 4 h 29 min
